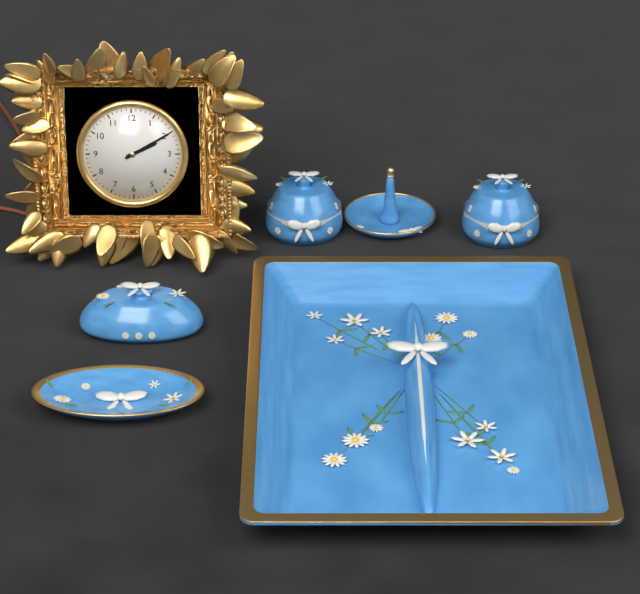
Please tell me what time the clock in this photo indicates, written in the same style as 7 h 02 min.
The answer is 2 h 10 min
